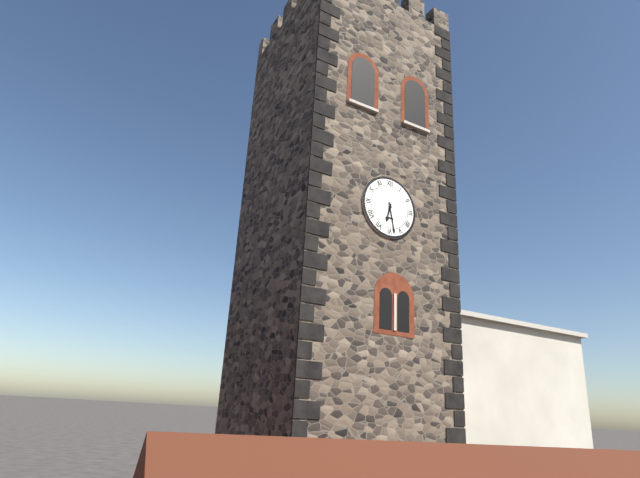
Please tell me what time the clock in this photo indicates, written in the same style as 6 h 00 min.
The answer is 6 h 28 min
